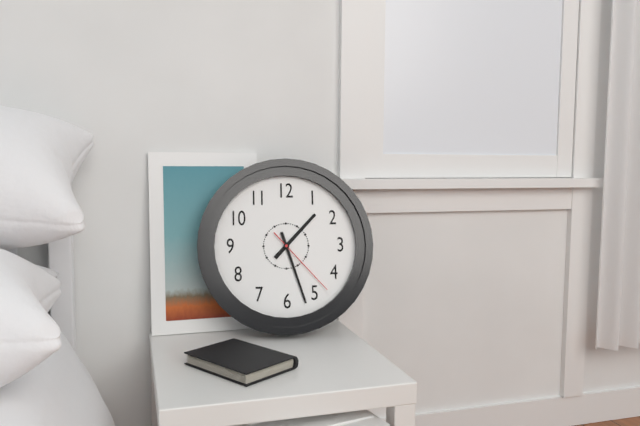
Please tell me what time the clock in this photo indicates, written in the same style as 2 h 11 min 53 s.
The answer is 1 h 27 min 23 s
